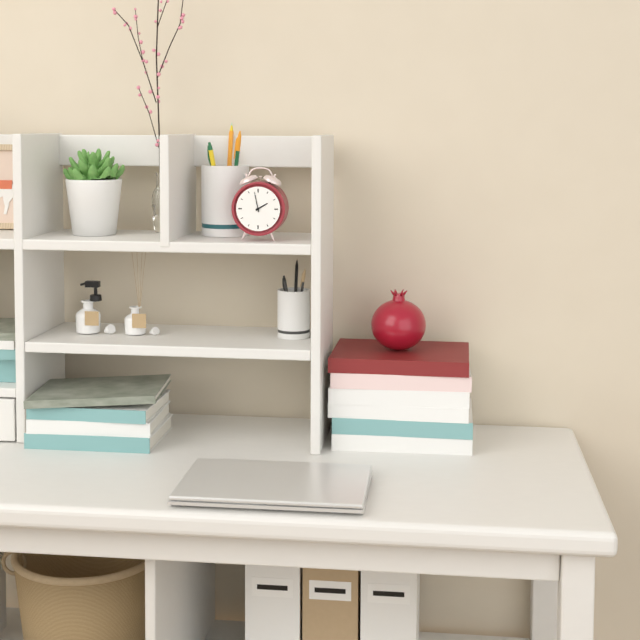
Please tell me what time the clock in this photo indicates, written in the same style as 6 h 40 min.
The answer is 1 h 58 min
